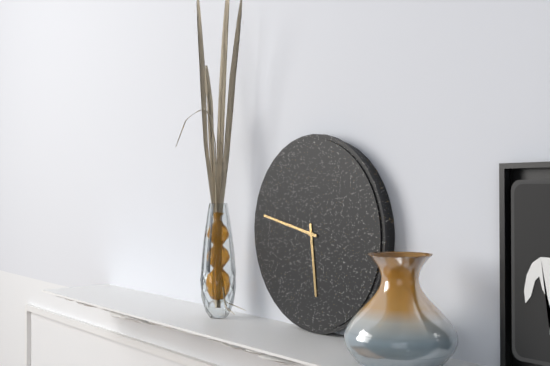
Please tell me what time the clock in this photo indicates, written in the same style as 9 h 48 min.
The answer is 5 h 47 min
